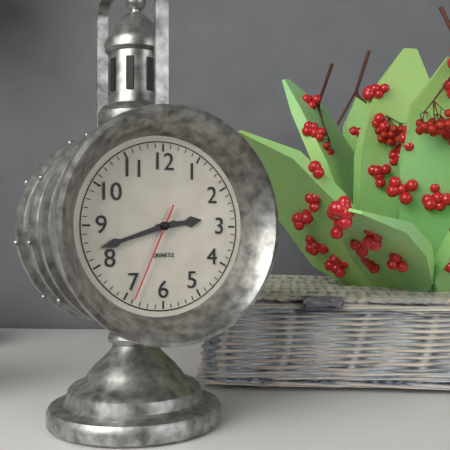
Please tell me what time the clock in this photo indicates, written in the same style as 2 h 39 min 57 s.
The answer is 2 h 42 min 34 s
